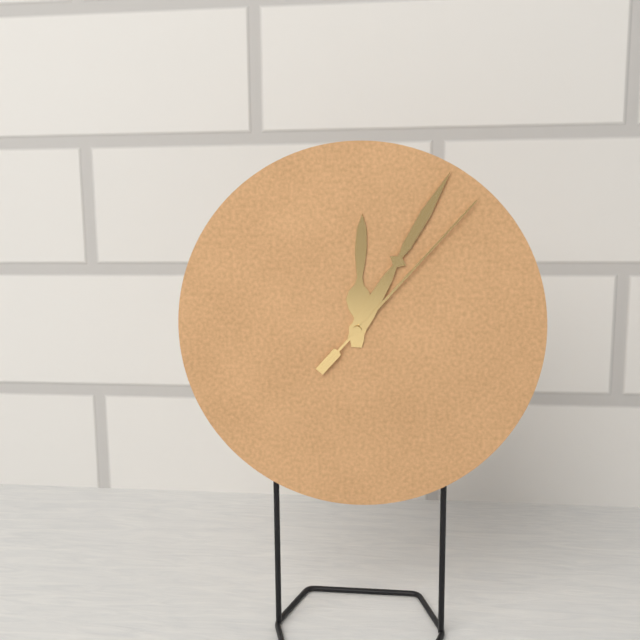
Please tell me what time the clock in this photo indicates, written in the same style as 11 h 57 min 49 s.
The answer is 12 h 05 min 07 s
